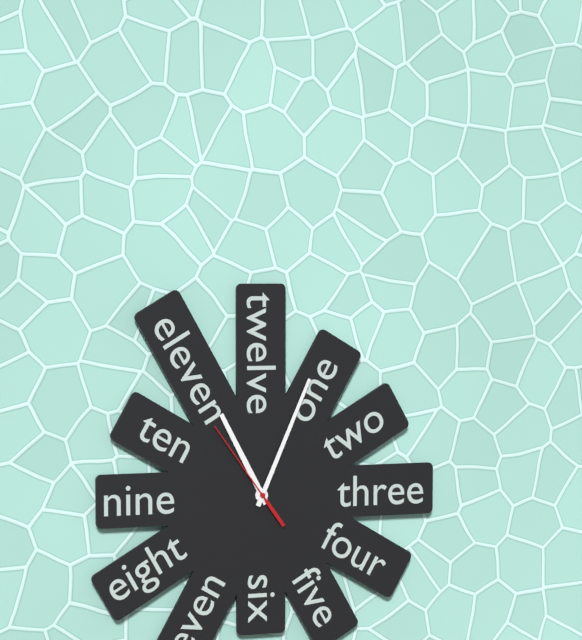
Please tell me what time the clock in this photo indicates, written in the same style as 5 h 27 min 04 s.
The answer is 11 h 04 min 54 s
